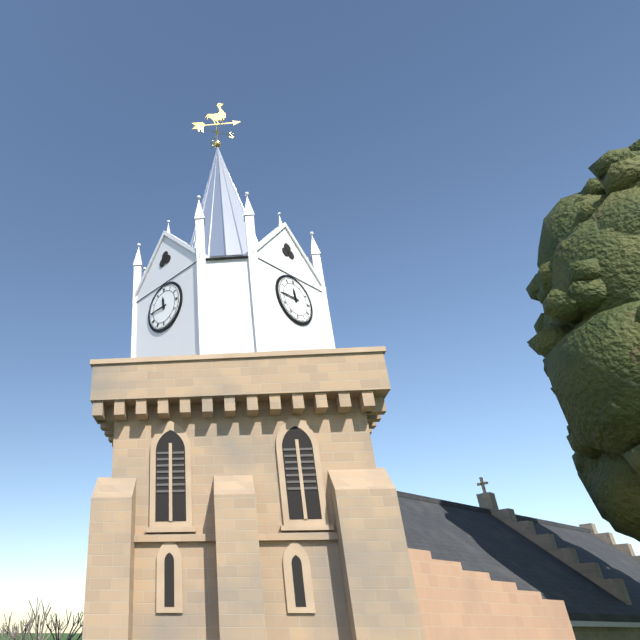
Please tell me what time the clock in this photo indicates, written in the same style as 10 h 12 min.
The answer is 11 h 45 min
